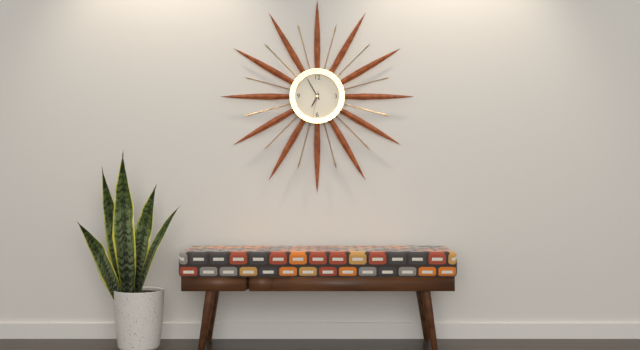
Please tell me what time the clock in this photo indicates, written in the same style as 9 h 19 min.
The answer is 6 h 55 min
